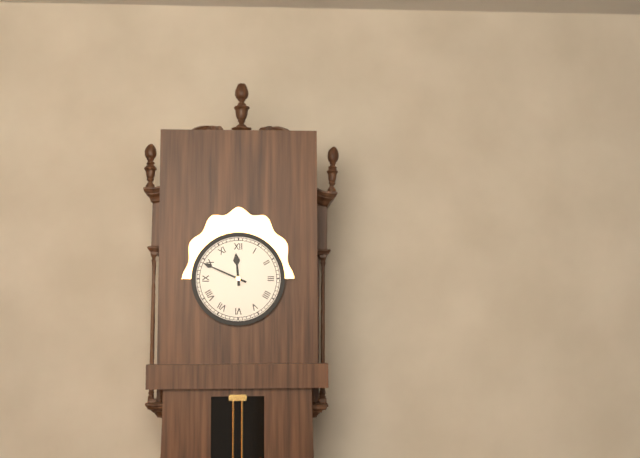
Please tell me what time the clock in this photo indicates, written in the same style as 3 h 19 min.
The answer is 11 h 49 min
